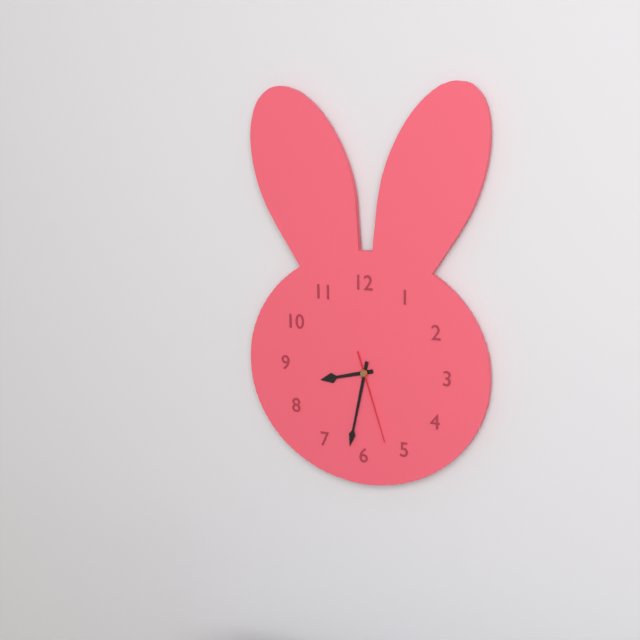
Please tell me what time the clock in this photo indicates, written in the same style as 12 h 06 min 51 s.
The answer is 8 h 32 min 27 s
